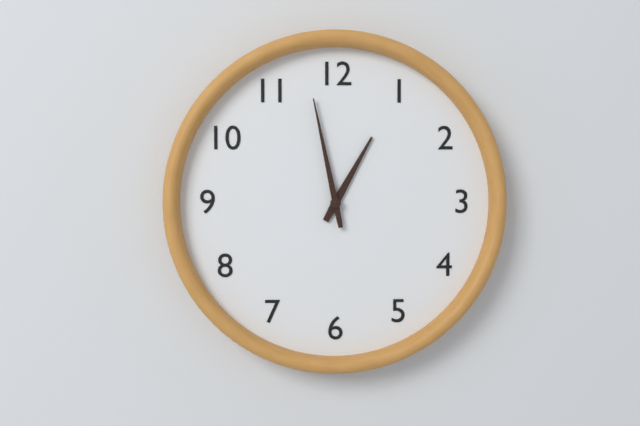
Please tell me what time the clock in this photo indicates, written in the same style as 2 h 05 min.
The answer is 12 h 58 min
